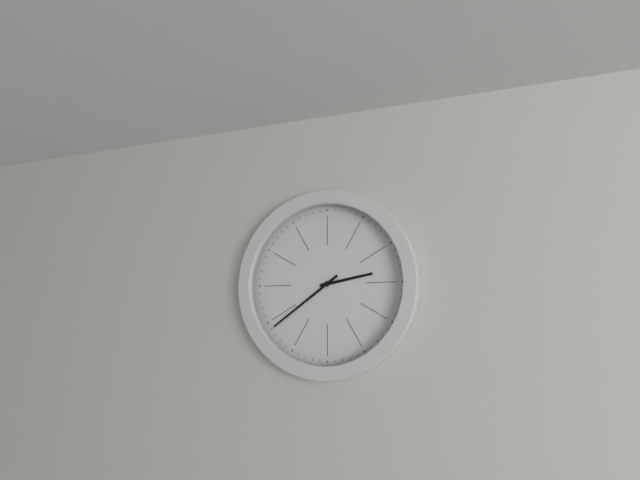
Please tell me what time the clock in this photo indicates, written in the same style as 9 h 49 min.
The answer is 2 h 39 min
